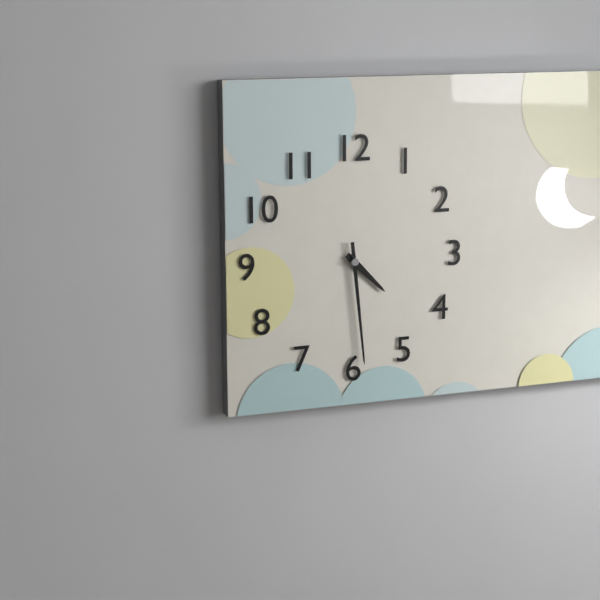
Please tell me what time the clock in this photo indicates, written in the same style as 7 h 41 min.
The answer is 4 h 29 min
